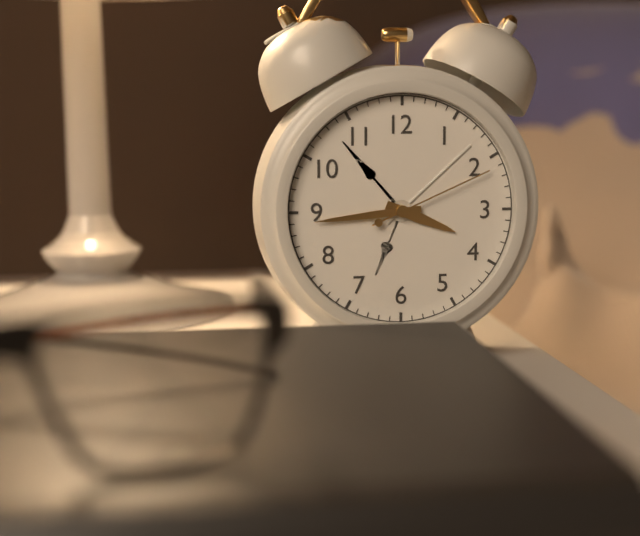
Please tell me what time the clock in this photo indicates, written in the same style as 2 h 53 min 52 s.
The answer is 3 h 44 min 11 s
